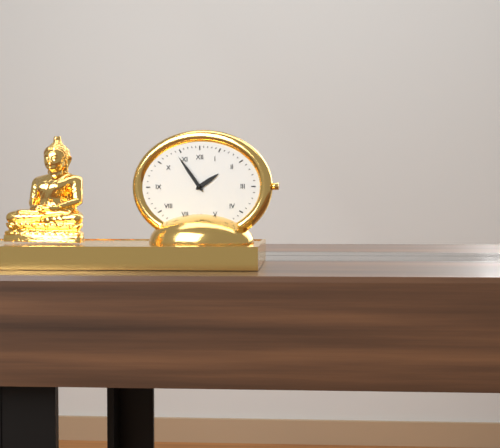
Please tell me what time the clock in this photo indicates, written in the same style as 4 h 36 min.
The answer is 1 h 54 min
